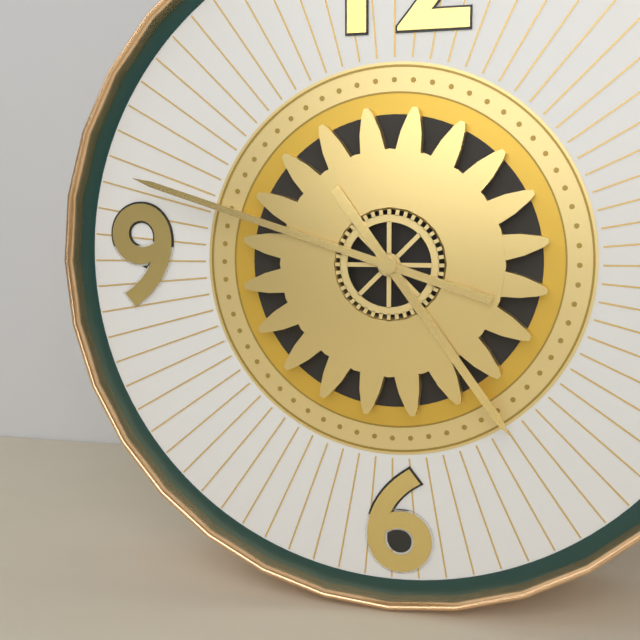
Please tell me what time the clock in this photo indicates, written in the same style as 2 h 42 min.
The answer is 4 h 48 min
